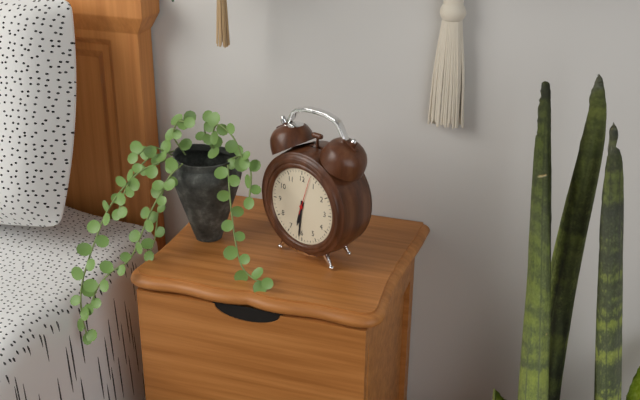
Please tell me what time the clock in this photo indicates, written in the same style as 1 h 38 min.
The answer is 6 h 31 min
